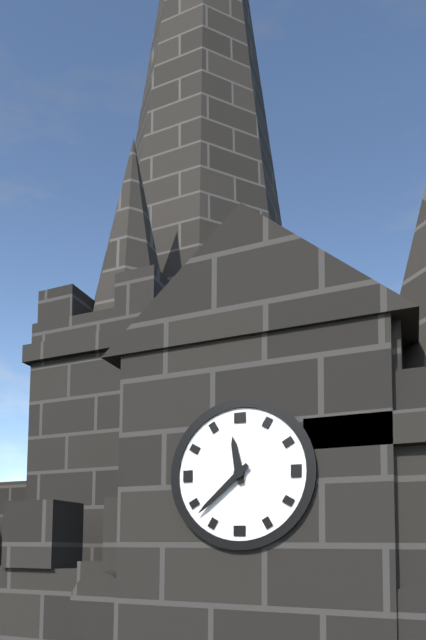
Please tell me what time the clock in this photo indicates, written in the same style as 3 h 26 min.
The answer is 11 h 38 min
